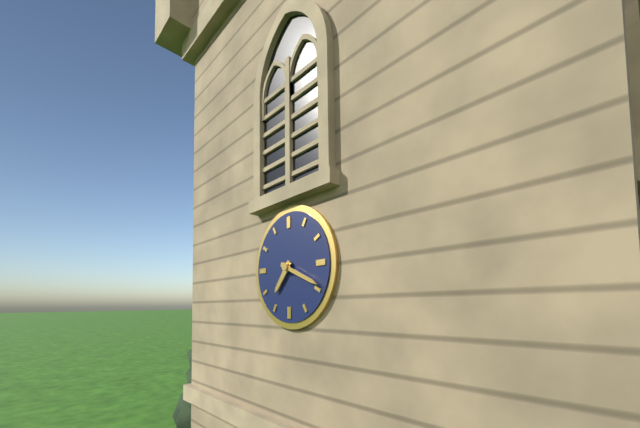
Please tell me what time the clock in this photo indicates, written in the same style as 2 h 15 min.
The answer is 7 h 19 min
